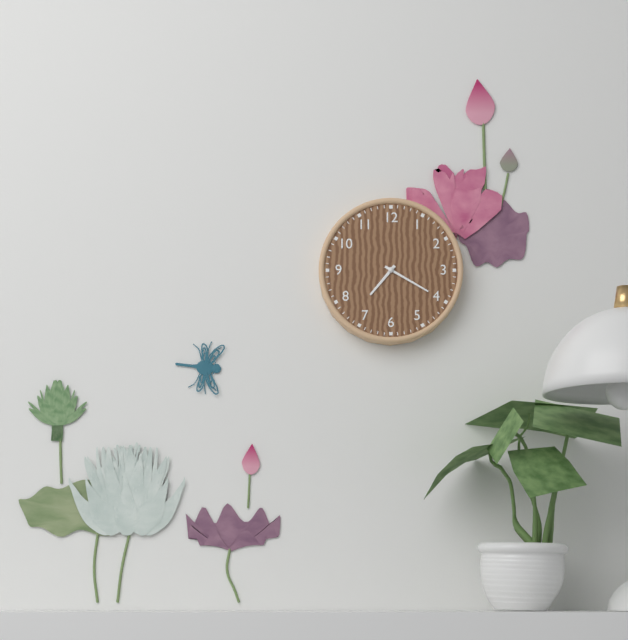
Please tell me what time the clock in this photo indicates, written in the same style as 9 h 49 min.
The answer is 7 h 20 min
